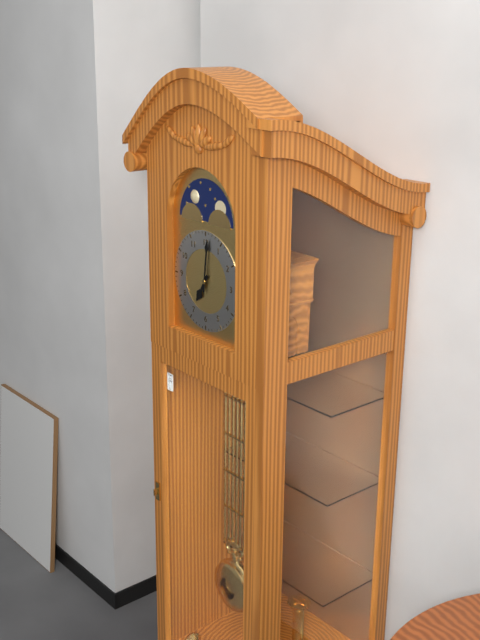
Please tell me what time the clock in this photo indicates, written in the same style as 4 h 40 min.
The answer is 7 h 01 min
